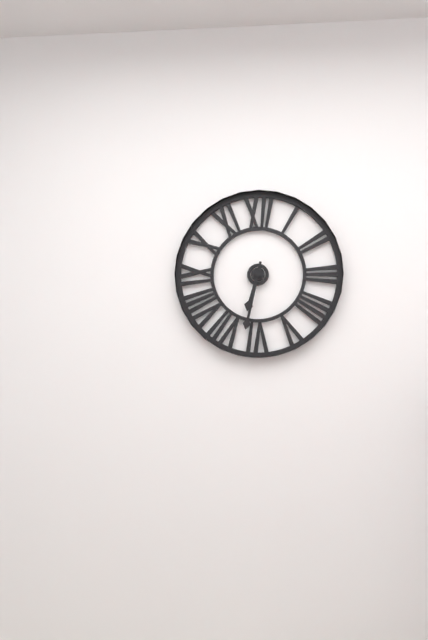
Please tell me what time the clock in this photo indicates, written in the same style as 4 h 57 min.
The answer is 6 h 32 min
